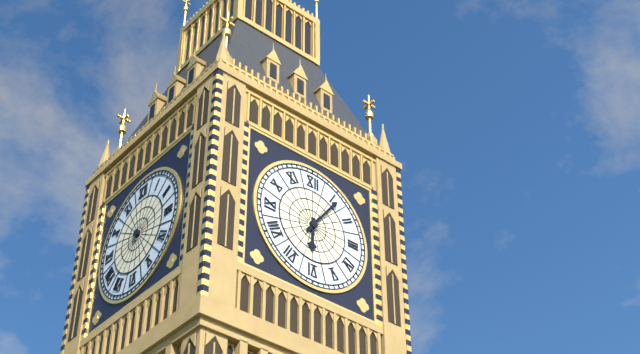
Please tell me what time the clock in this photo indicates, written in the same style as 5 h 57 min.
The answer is 6 h 06 min
